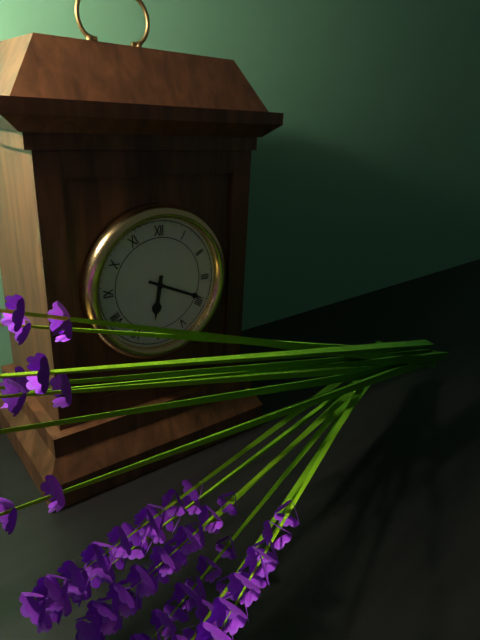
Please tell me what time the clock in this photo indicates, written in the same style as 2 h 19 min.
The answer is 6 h 19 min
